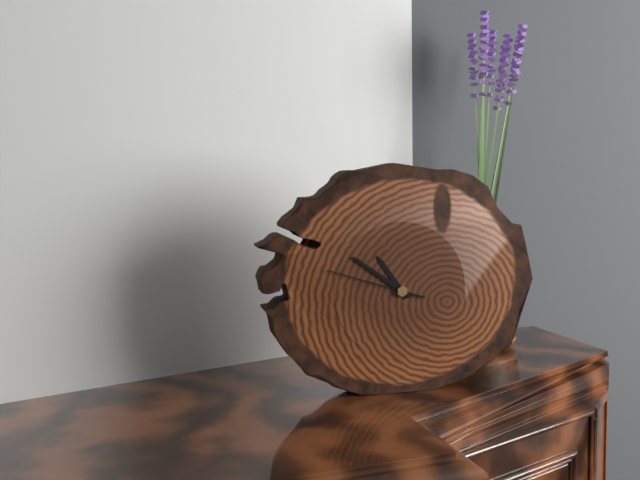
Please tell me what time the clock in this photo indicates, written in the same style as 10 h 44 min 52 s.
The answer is 10 h 51 min 48 s
